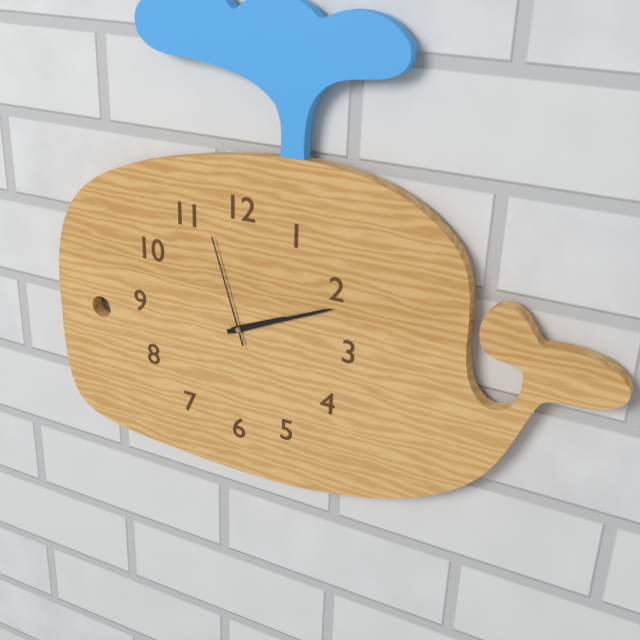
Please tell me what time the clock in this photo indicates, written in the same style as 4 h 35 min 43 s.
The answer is 2 h 11 min 57 s
